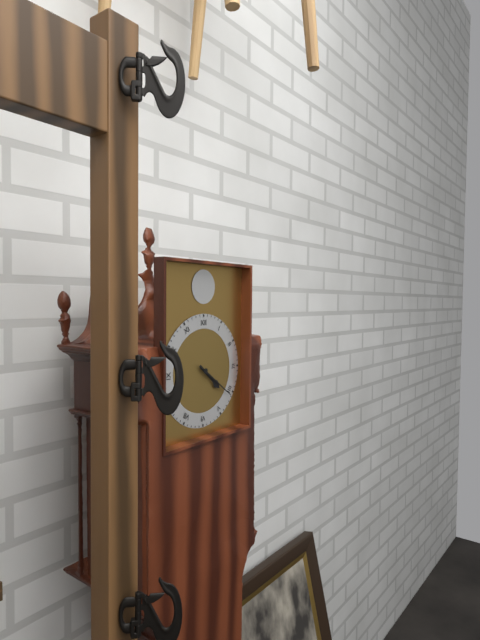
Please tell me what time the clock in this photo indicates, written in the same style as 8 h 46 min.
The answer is 4 h 21 min
